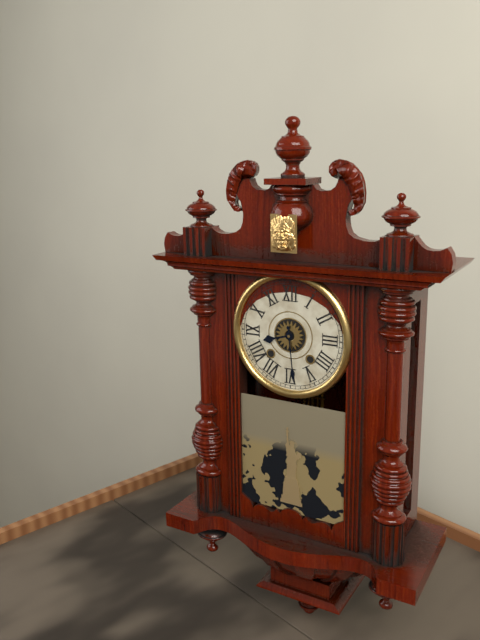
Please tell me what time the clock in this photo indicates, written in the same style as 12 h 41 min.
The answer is 8 h 29 min
